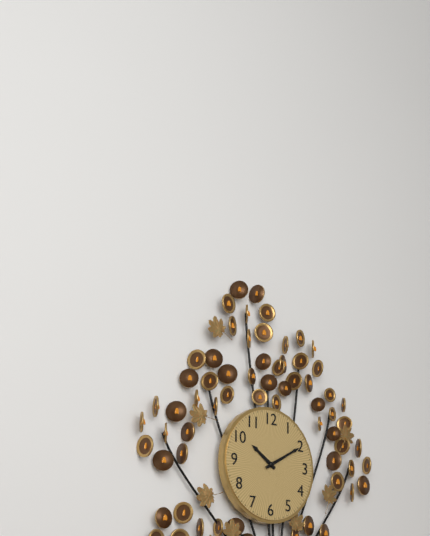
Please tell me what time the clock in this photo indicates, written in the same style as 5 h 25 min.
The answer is 10 h 10 min
